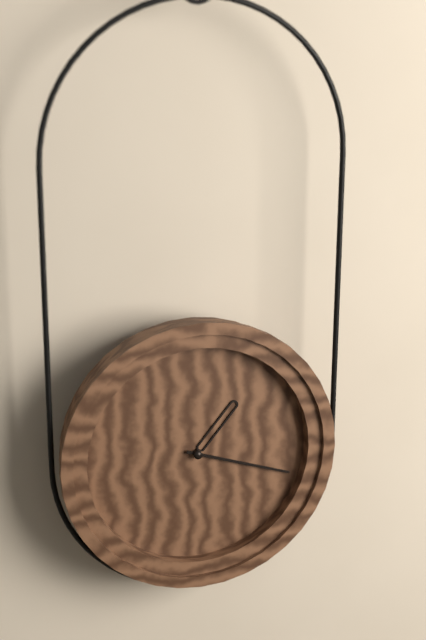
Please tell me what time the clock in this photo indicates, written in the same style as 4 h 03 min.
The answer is 1 h 18 min
